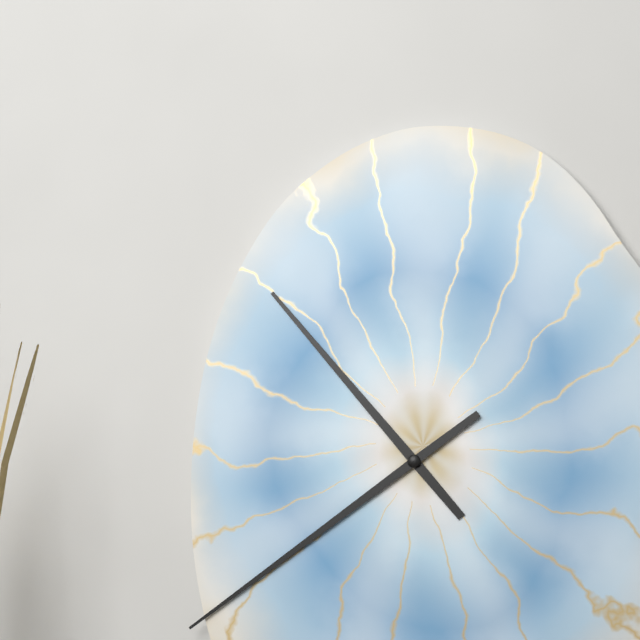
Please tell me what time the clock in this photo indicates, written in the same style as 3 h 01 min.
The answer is 10 h 39 min
